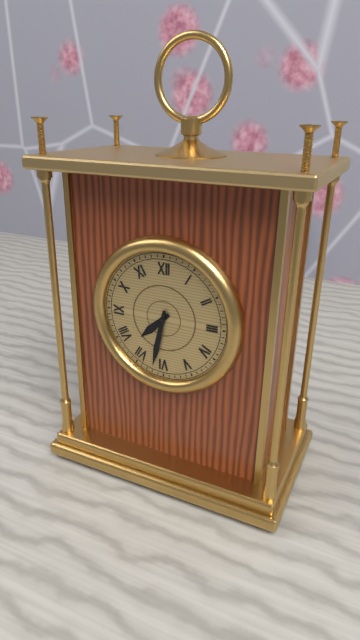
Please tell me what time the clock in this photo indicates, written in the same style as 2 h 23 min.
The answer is 7 h 32 min
